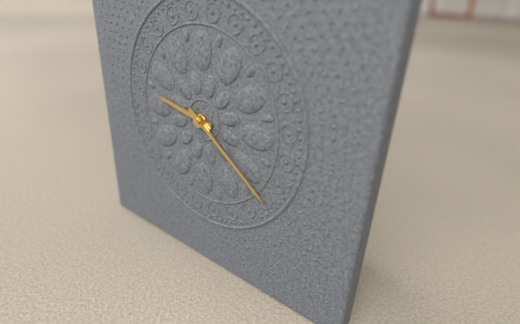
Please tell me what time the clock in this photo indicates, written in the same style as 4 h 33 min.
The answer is 9 h 21 min
